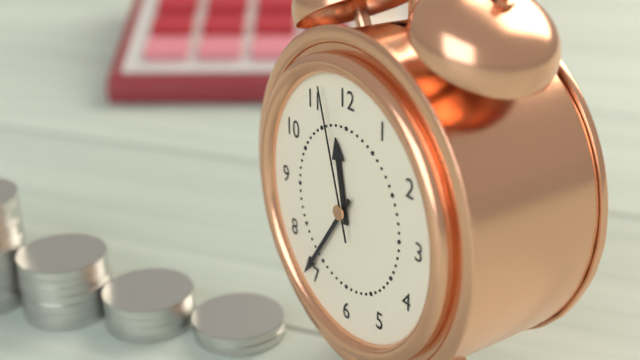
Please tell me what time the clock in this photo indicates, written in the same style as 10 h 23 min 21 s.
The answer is 11 h 36 min 57 s
